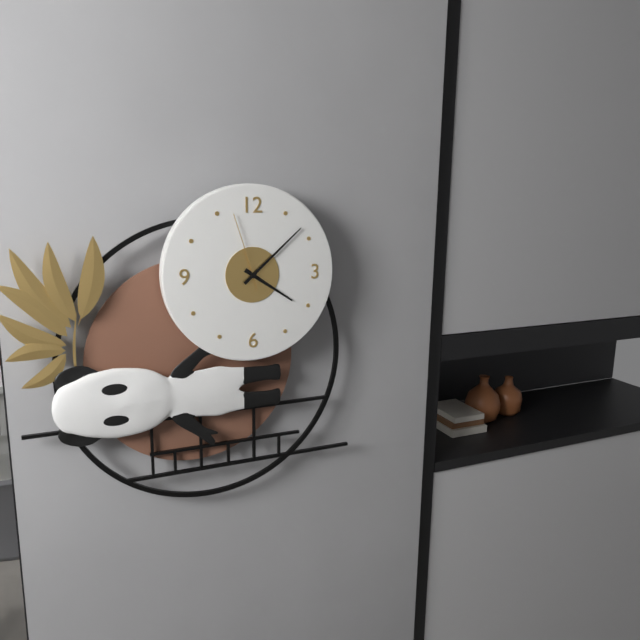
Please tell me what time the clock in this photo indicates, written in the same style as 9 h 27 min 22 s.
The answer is 4 h 08 min 57 s
